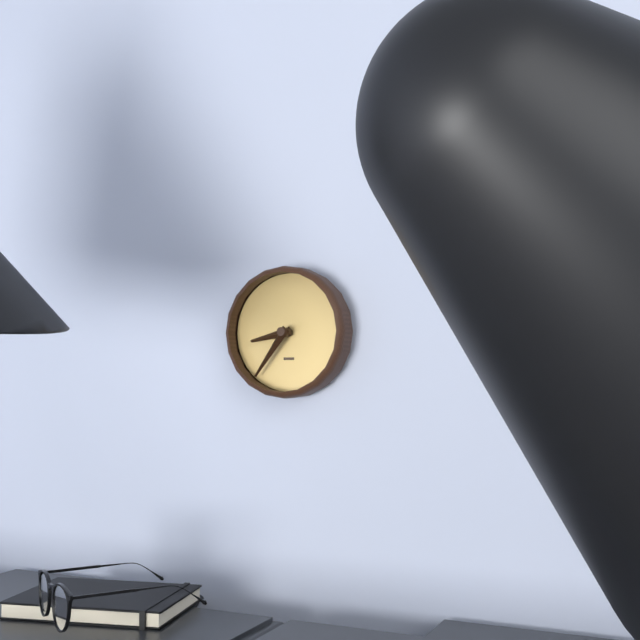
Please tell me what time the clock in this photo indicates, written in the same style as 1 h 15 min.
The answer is 8 h 36 min
